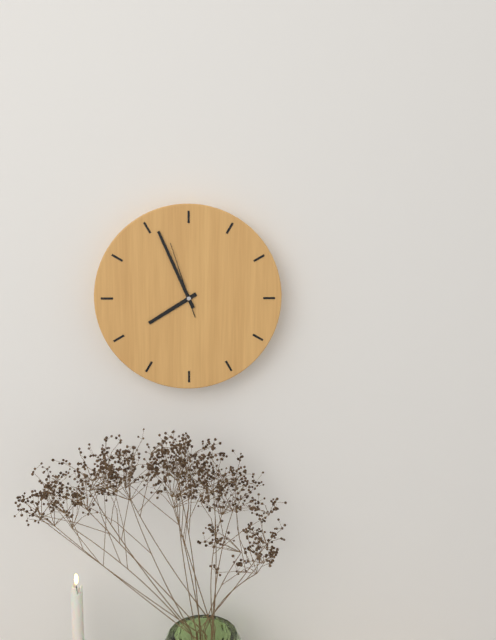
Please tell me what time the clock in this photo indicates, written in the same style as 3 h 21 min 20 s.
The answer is 7 h 56 min 57 s
